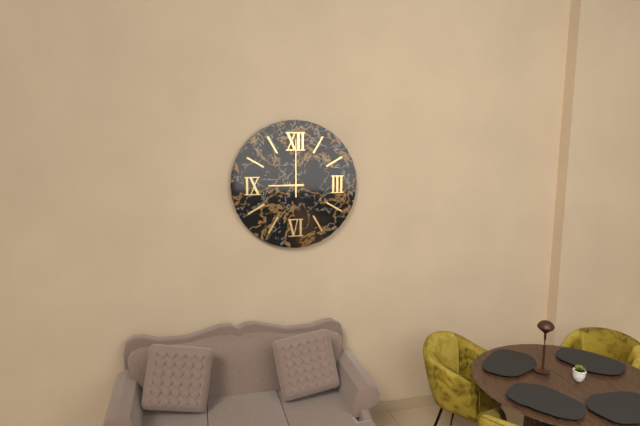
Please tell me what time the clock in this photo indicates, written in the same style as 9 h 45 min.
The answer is 9 h 00 min
